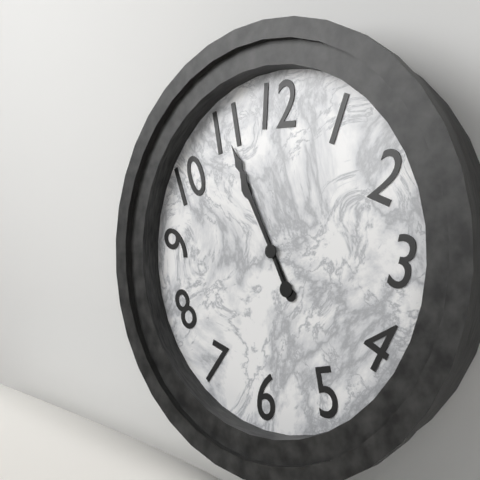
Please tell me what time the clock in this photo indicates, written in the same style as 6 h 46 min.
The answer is 10 h 55 min
